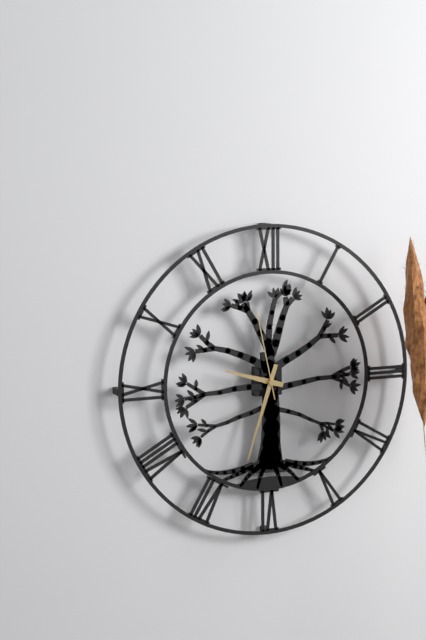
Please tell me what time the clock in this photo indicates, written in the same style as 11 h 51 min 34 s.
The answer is 9 h 33 min 58 s
